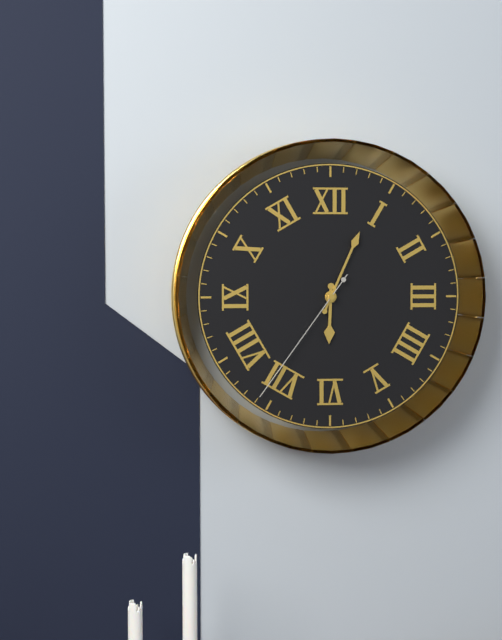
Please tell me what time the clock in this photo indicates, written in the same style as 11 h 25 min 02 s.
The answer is 6 h 04 min 36 s
